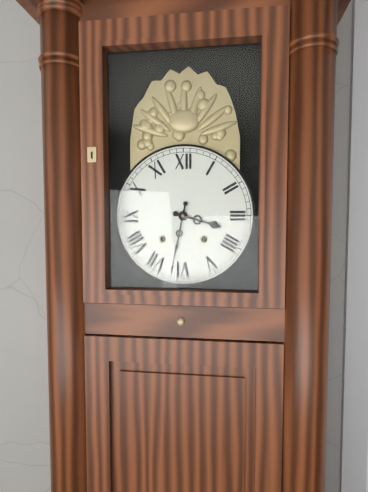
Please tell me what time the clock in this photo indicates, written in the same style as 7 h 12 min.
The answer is 3 h 32 min
